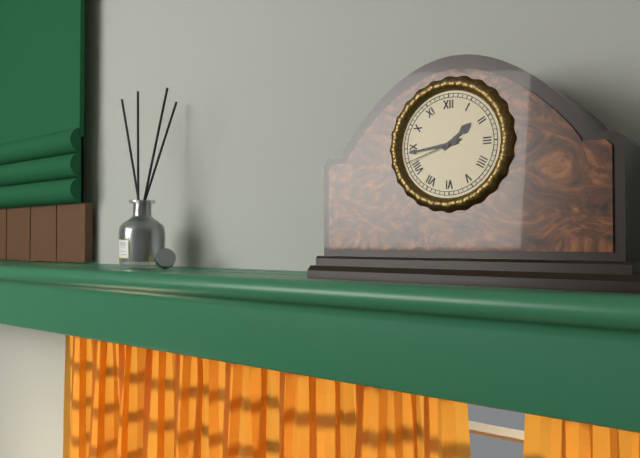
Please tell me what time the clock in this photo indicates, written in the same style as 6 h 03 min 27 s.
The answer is 1 h 44 min 42 s
